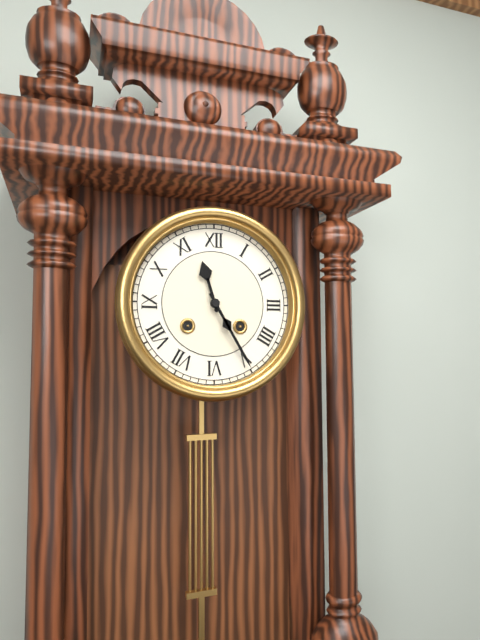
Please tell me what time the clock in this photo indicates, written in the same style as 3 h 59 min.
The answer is 11 h 25 min
